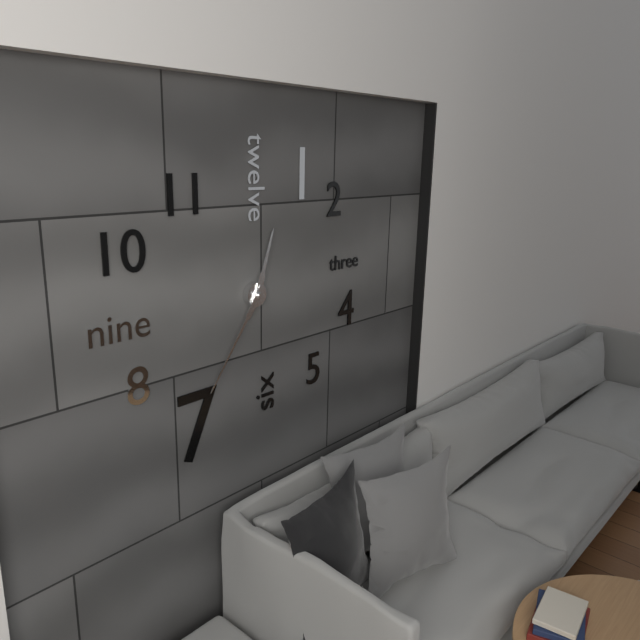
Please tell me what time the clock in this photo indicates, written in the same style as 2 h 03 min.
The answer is 12 h 36 min
